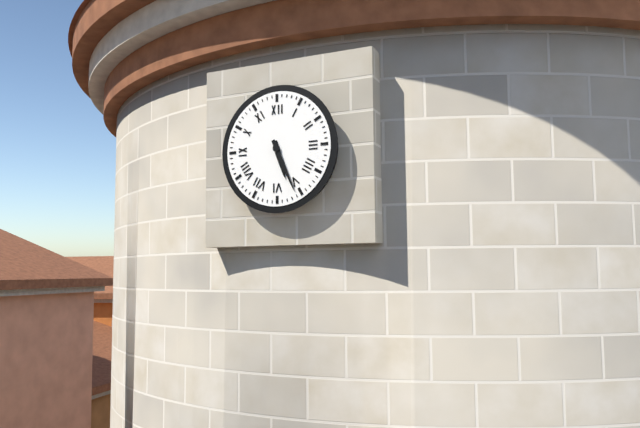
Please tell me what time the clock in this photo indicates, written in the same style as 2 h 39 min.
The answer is 5 h 26 min
